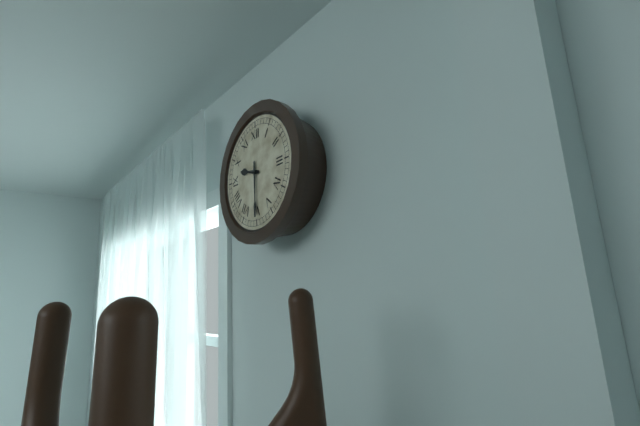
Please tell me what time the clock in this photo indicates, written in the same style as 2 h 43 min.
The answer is 9 h 30 min
